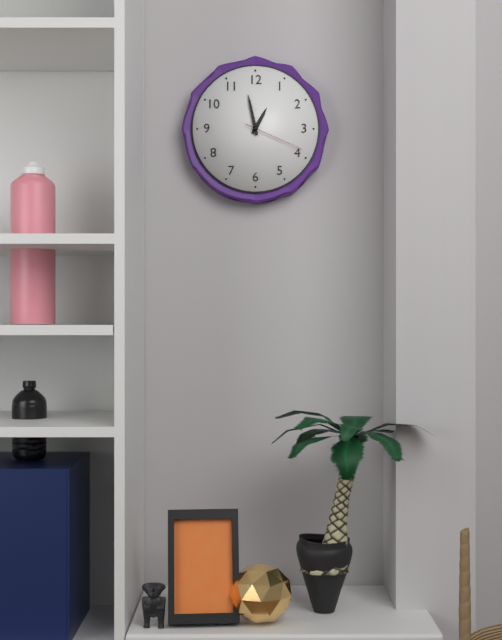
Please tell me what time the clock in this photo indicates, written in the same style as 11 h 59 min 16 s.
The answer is 12 h 58 min 19 s
